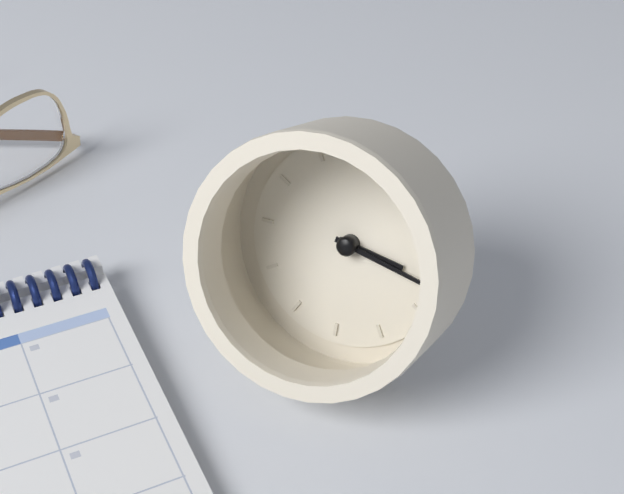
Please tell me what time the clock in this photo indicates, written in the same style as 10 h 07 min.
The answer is 3 h 17 min
